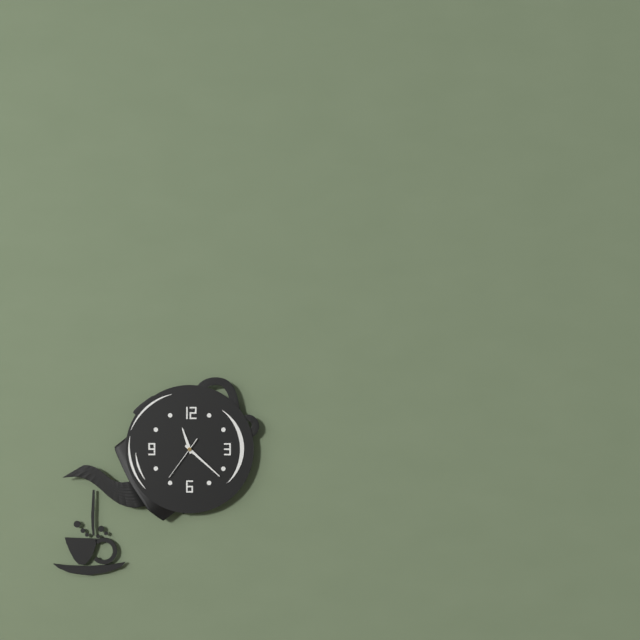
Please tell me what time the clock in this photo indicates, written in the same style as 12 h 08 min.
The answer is 11 h 22 min
